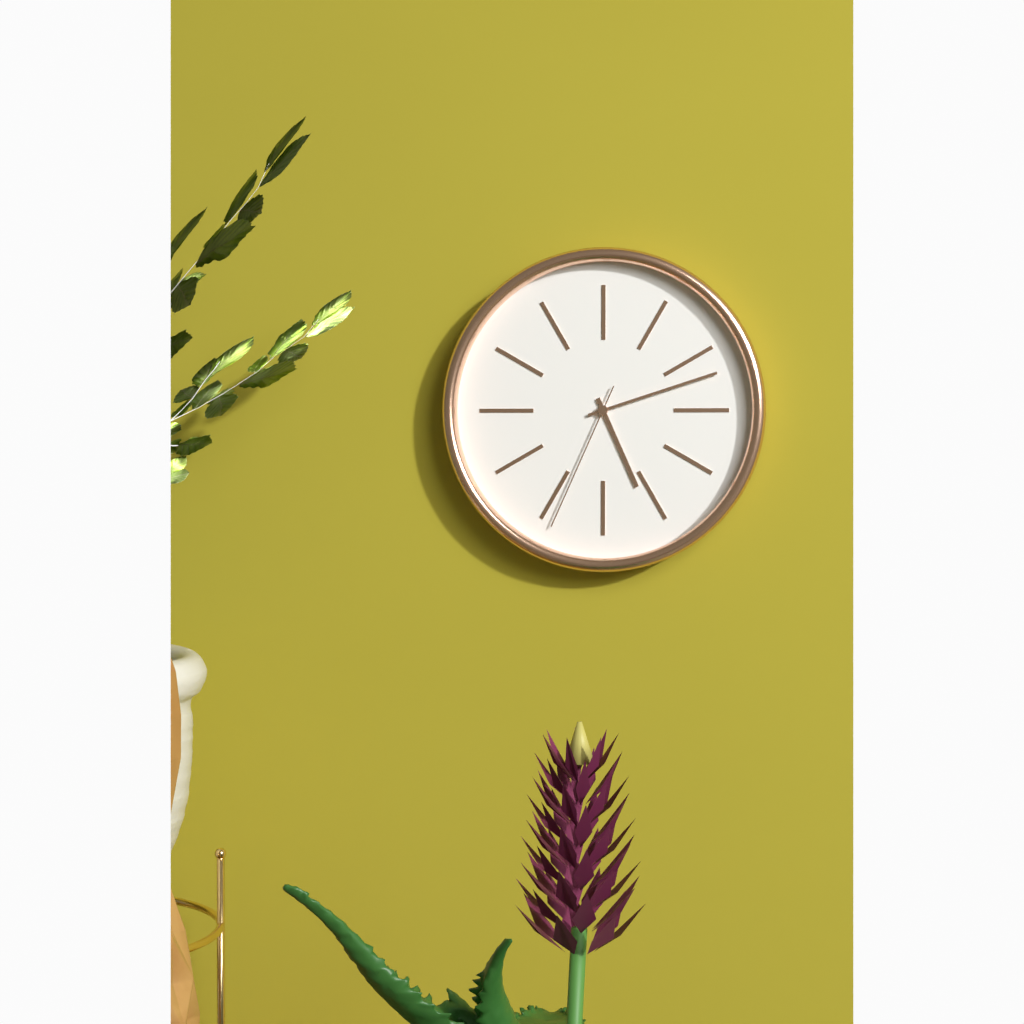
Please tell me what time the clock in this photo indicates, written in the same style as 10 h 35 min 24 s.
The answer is 5 h 12 min 34 s
